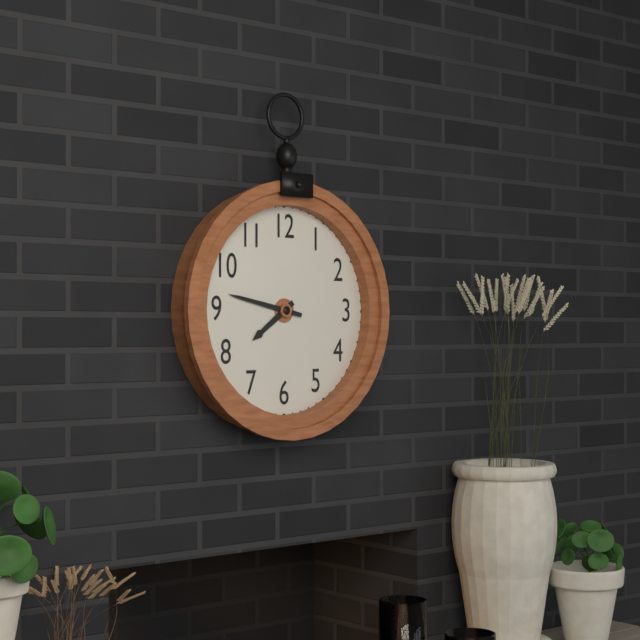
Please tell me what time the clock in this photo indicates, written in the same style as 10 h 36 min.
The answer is 7 h 47 min
